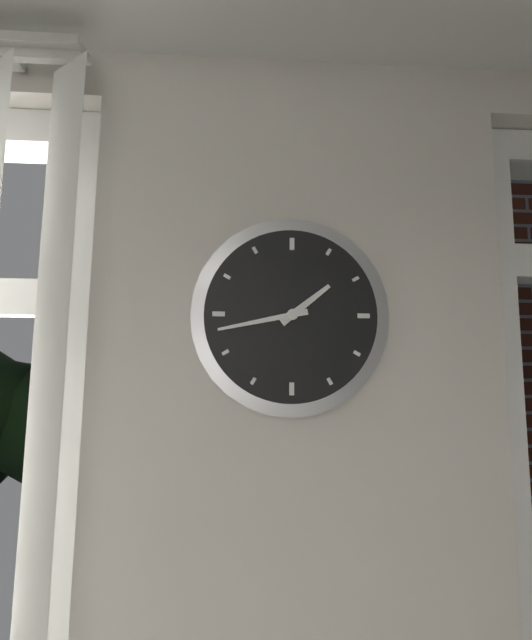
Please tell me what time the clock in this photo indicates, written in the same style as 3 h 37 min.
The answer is 1 h 43 min
